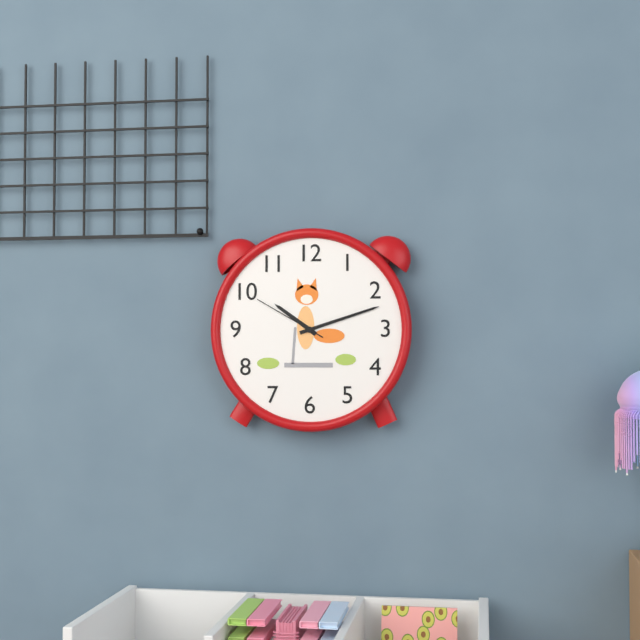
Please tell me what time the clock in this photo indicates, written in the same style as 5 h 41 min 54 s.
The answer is 10 h 12 min 50 s
